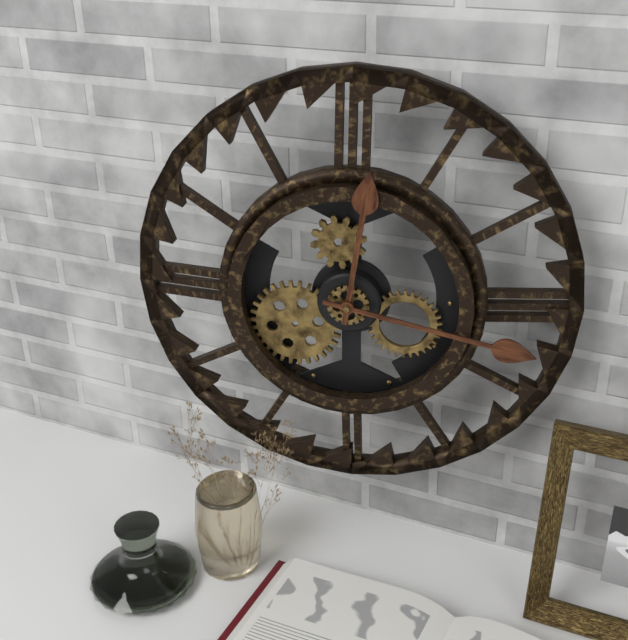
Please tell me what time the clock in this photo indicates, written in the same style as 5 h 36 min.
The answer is 12 h 17 min
